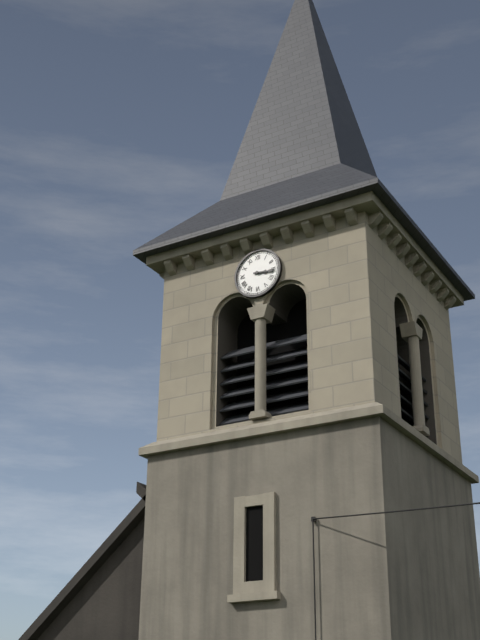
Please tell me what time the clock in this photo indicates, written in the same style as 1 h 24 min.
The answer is 3 h 16 min
